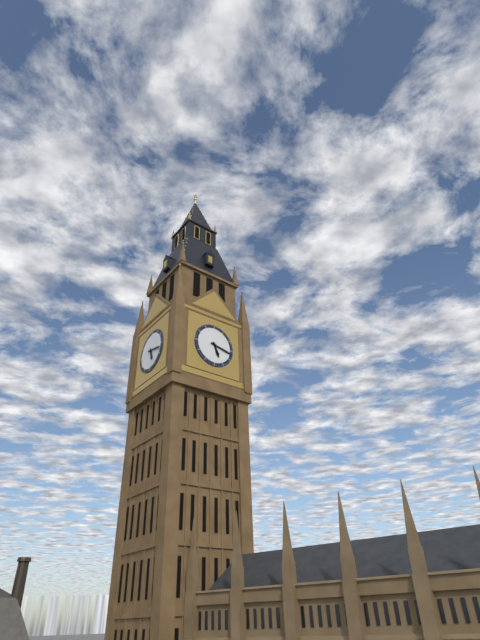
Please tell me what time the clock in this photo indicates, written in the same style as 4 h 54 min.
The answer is 5 h 17 min
